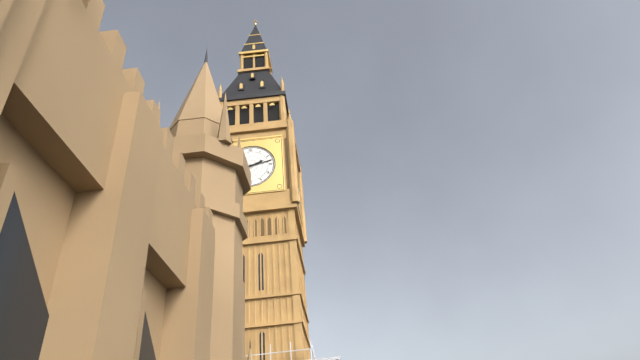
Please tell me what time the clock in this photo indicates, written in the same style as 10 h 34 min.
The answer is 2 h 13 min
